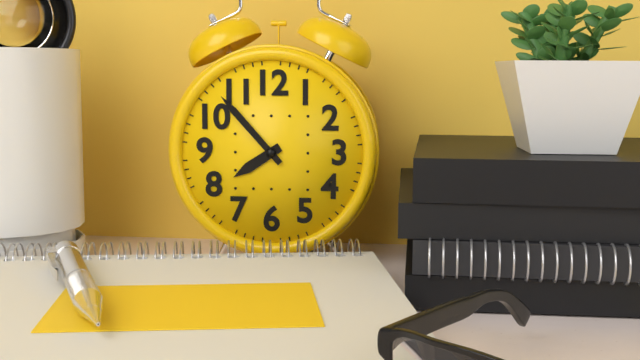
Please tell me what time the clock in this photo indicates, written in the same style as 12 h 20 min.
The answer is 7 h 53 min
